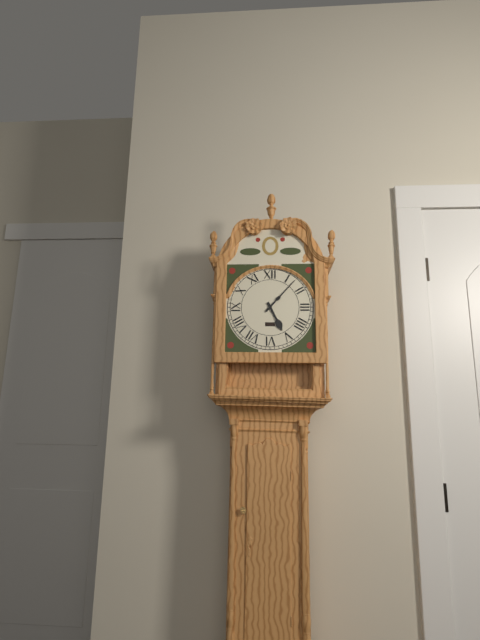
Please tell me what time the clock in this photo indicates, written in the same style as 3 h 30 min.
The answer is 5 h 07 min
